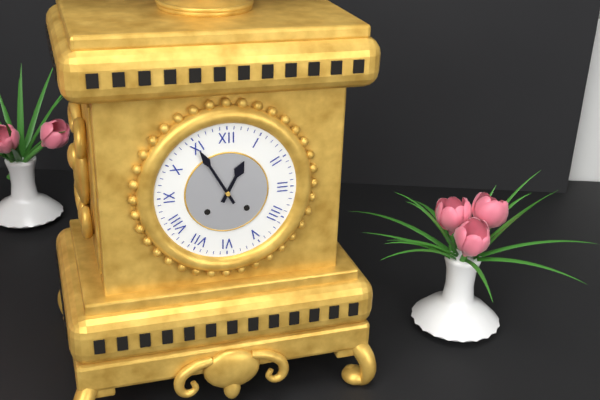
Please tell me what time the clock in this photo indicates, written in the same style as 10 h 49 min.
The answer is 12 h 55 min
